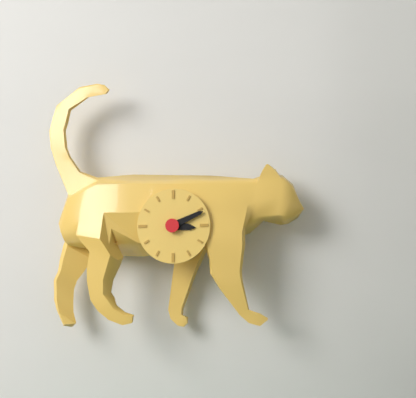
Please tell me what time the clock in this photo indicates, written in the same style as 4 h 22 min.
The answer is 3 h 11 min
